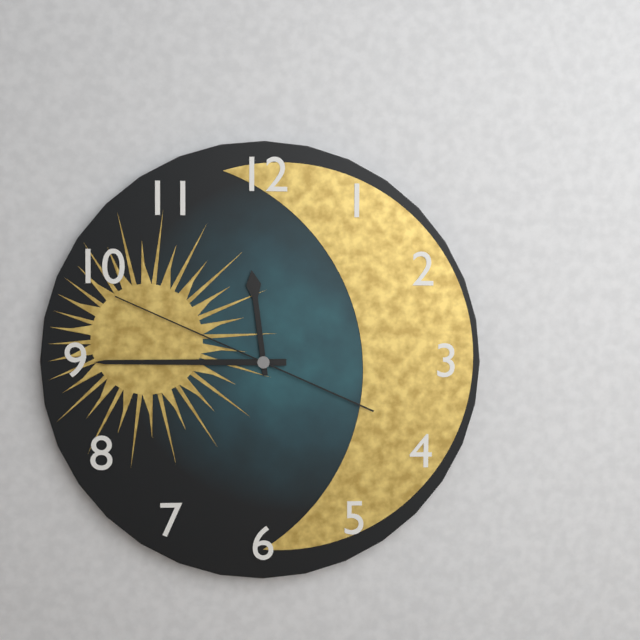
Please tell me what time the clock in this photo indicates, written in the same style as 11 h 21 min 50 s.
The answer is 11 h 45 min 49 s
